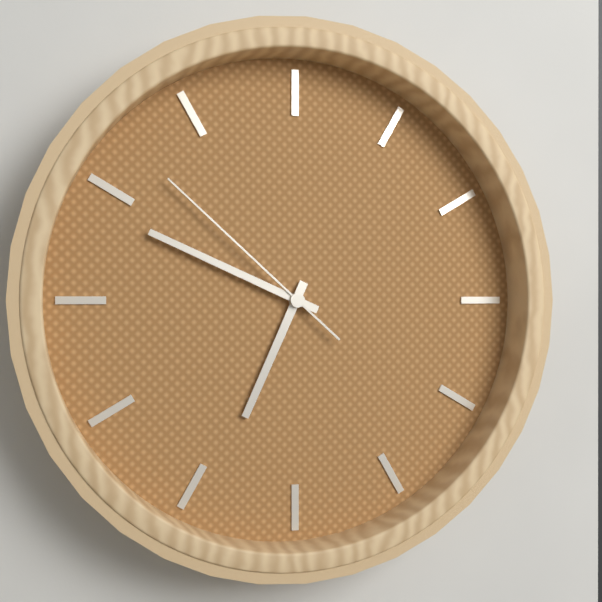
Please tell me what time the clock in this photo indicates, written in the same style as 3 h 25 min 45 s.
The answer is 6 h 49 min 52 s
